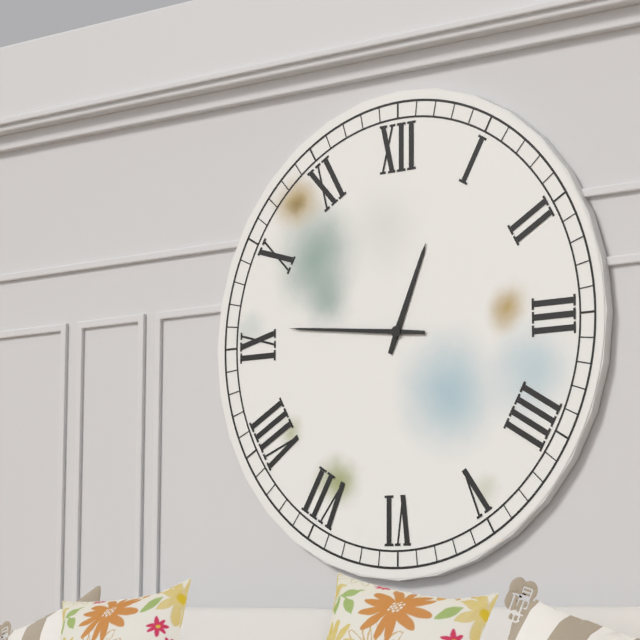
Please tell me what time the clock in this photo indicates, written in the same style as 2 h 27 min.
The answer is 12 h 46 min
